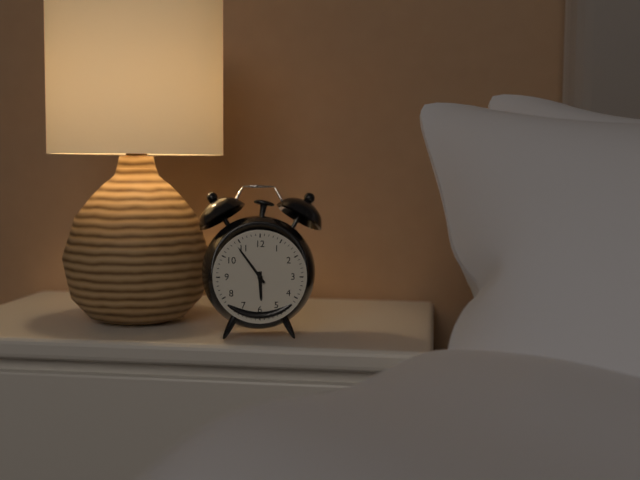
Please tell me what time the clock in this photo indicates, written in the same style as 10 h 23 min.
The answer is 5 h 54 min
